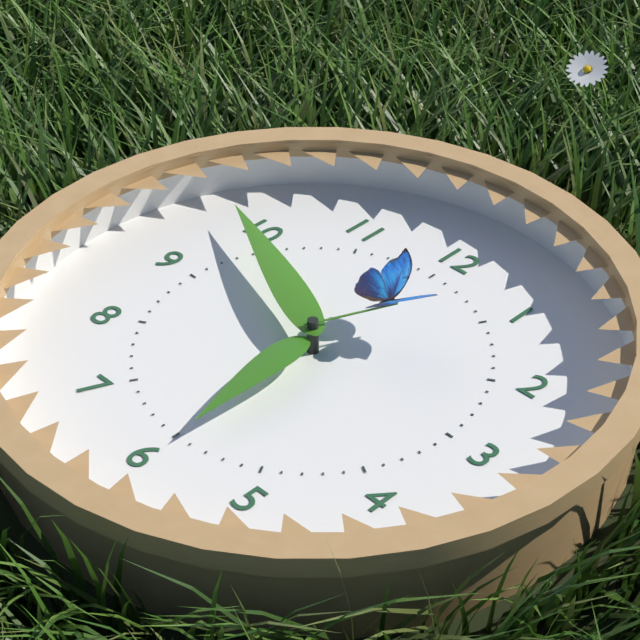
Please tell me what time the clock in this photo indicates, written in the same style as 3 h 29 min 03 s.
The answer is 5 h 49 min 04 s
